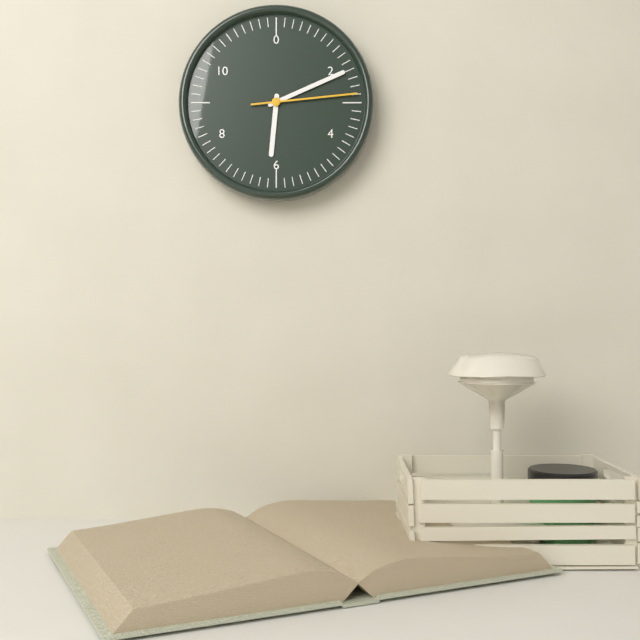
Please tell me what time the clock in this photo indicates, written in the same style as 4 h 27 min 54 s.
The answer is 6 h 11 min 14 s
